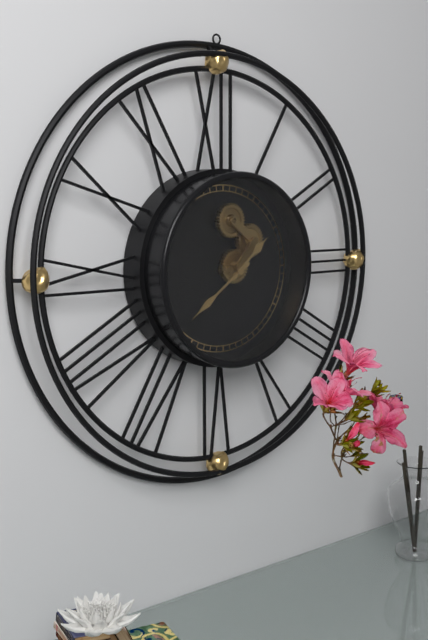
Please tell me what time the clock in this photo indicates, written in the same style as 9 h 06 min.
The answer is 1 h 39 min
